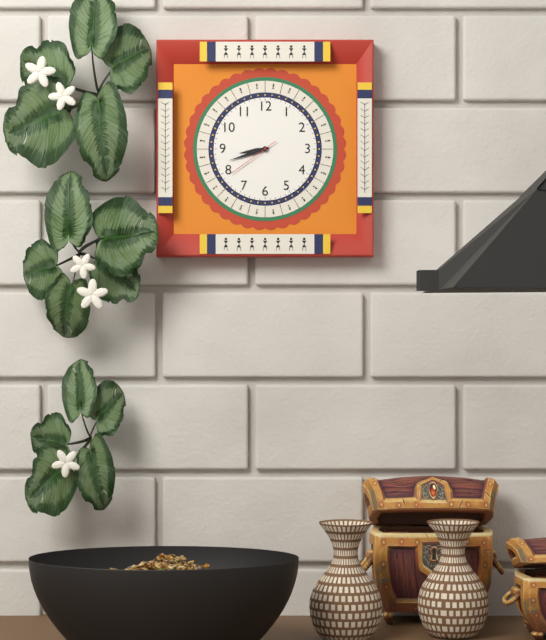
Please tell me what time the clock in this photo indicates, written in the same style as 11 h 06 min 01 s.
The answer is 8 h 42 min 39 s
